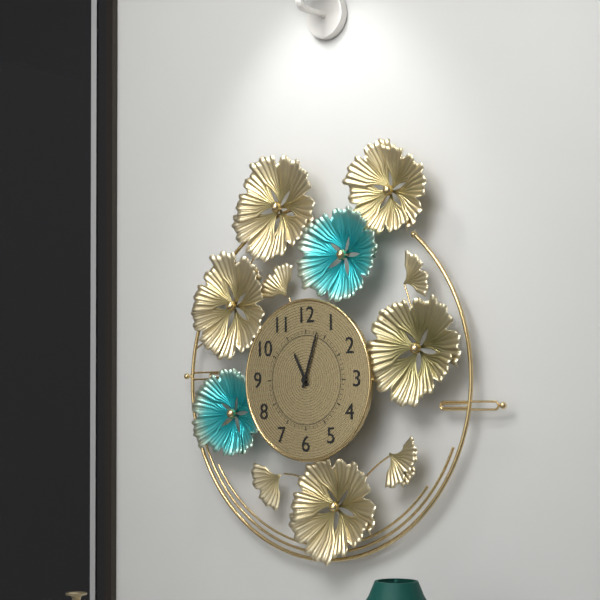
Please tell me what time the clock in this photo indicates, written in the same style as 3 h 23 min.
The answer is 11 h 03 min
